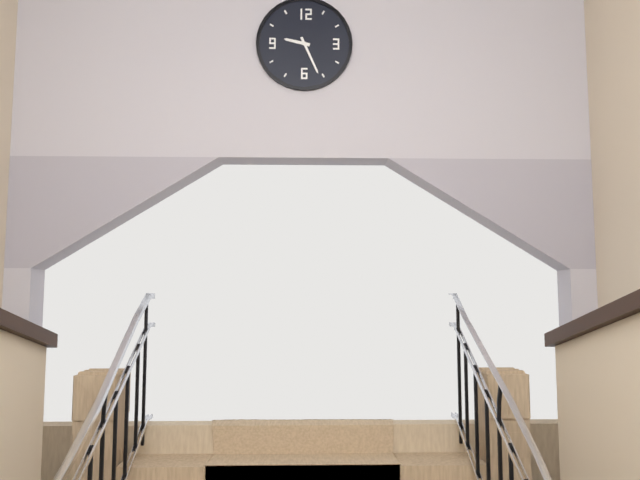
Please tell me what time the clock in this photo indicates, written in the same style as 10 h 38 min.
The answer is 9 h 26 min
